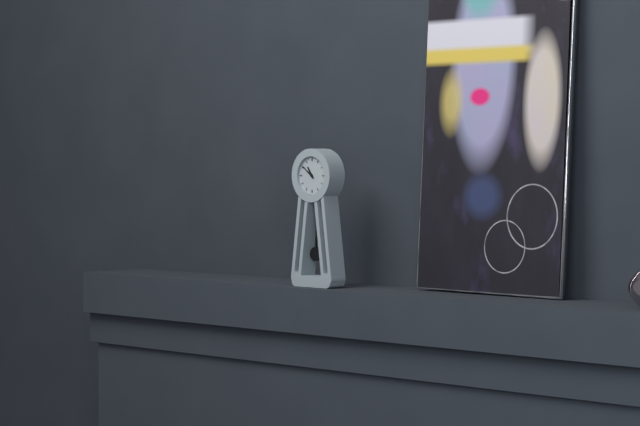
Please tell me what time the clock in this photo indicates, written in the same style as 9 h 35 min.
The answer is 10 h 51 min
